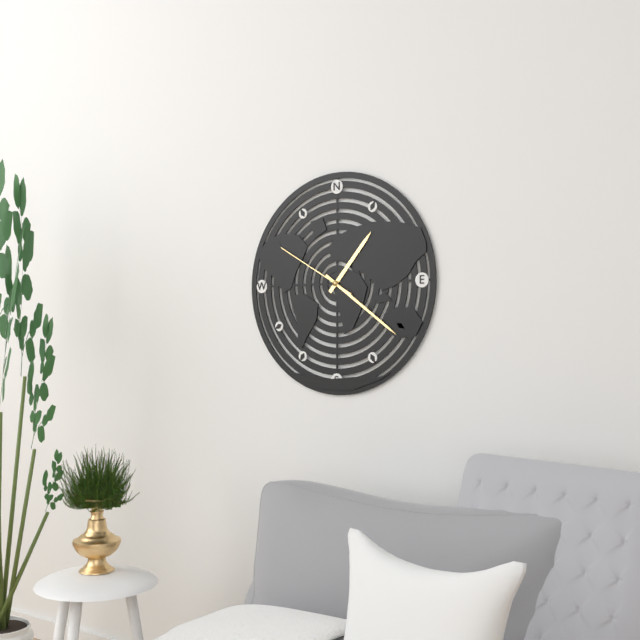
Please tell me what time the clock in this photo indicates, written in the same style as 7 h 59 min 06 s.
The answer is 1 h 21 min 50 s
